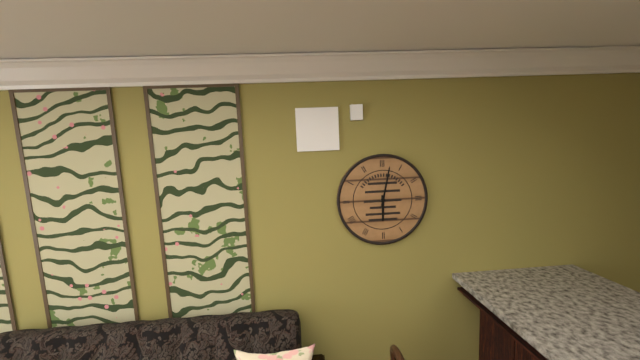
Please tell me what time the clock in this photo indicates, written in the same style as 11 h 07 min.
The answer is 6 h 02 min
